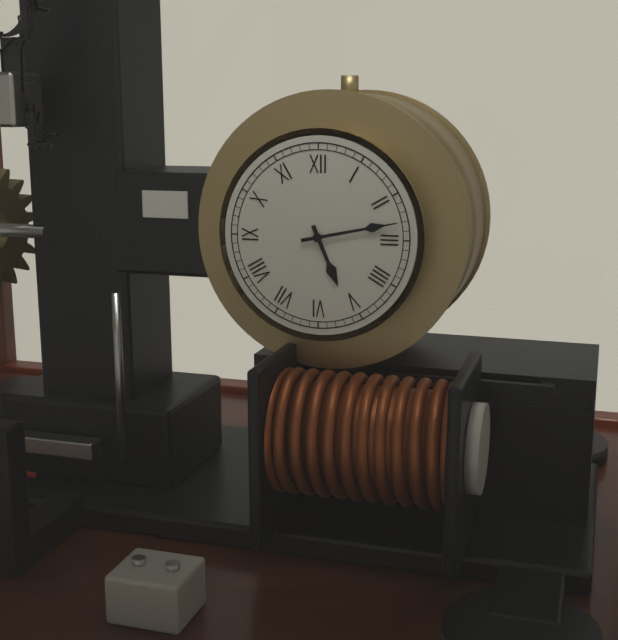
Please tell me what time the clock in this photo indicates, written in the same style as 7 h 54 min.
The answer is 5 h 13 min
